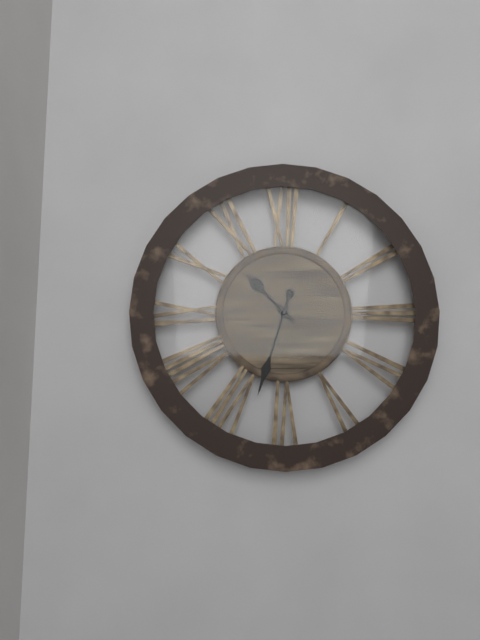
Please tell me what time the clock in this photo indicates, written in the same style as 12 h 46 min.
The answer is 10 h 33 min
